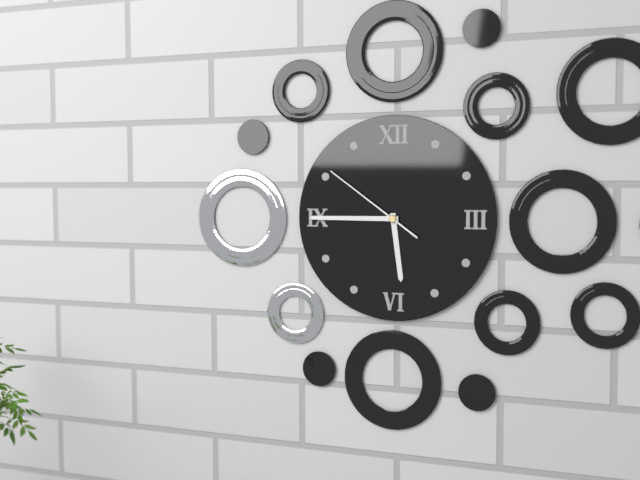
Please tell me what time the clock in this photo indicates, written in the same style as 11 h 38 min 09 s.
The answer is 5 h 45 min 51 s
